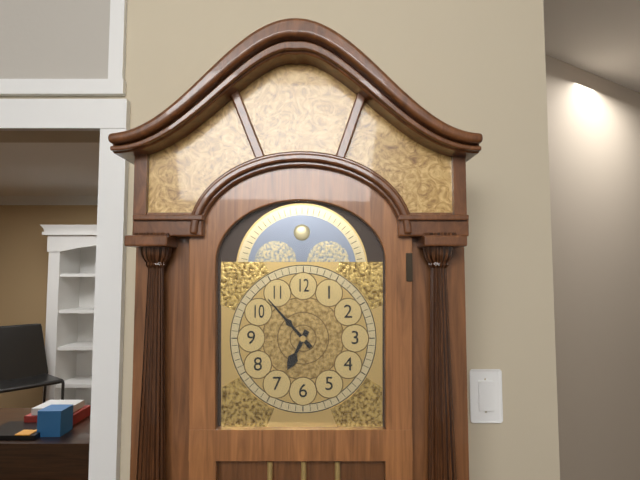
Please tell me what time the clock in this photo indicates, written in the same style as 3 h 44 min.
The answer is 6 h 53 min
